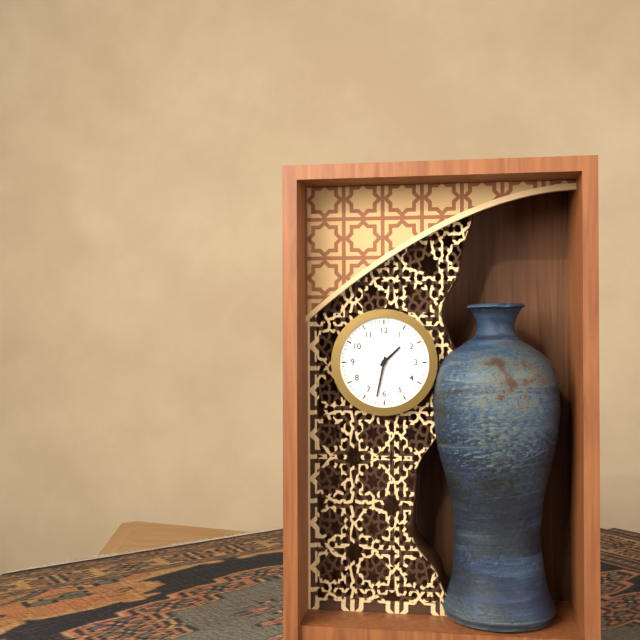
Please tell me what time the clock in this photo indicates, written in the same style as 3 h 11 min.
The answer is 1 h 32 min
